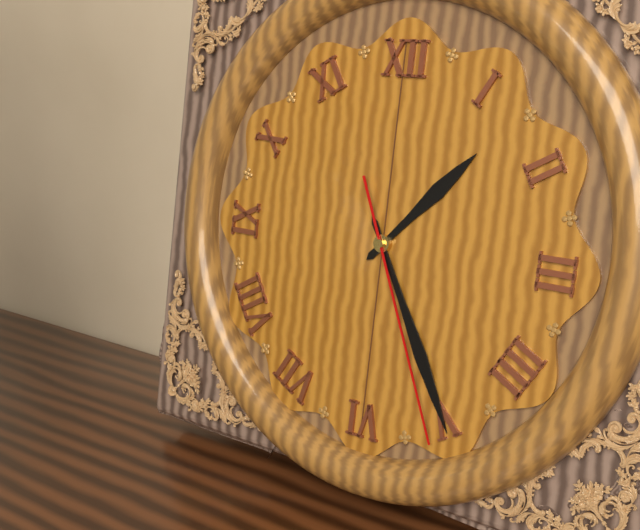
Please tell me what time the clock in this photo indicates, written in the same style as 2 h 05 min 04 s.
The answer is 1 h 25 min 26 s
